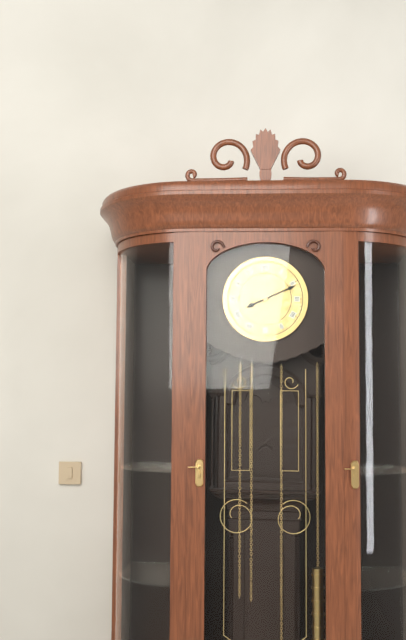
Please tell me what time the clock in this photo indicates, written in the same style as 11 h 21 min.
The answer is 8 h 11 min
